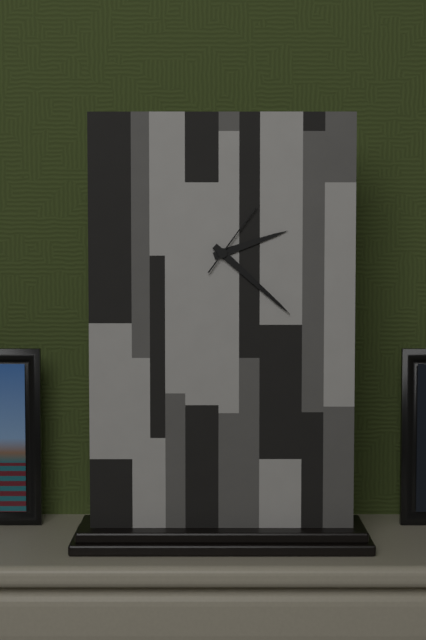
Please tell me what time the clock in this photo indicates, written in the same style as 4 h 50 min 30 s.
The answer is 2 h 22 min 06 s
